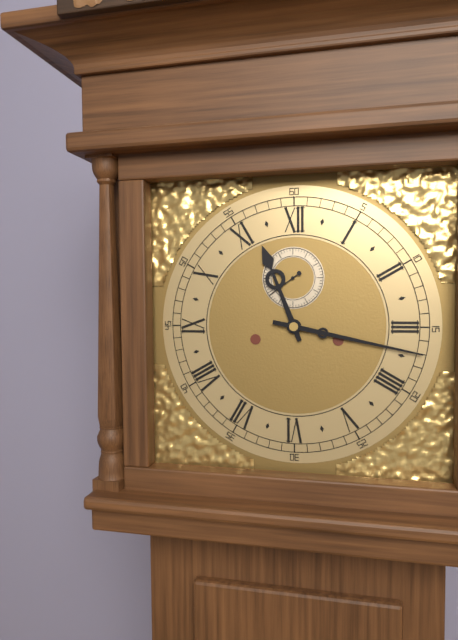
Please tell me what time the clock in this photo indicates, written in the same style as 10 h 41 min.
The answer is 11 h 17 min
